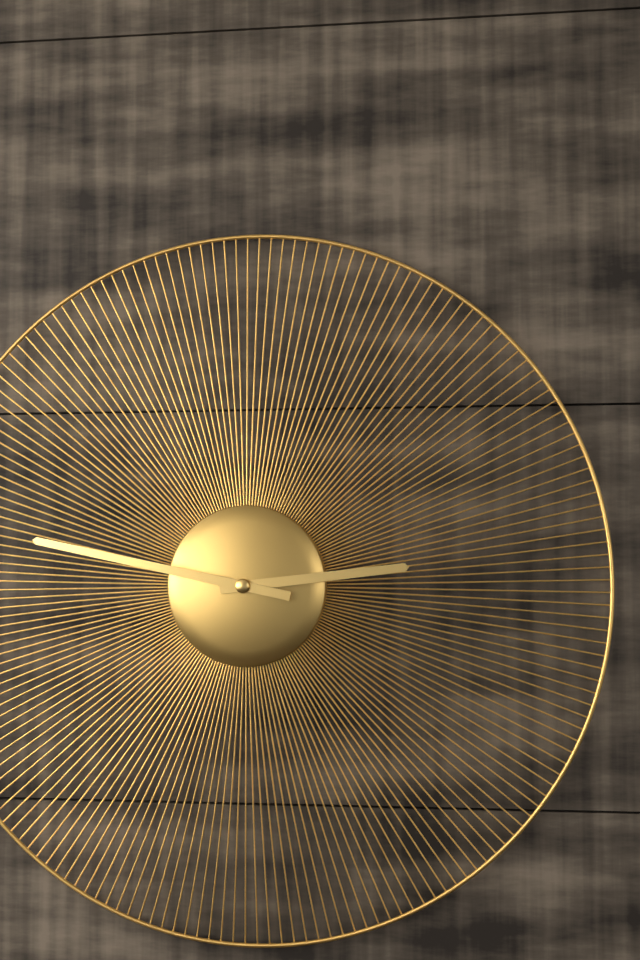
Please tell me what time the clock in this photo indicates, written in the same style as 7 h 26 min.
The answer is 2 h 47 min
